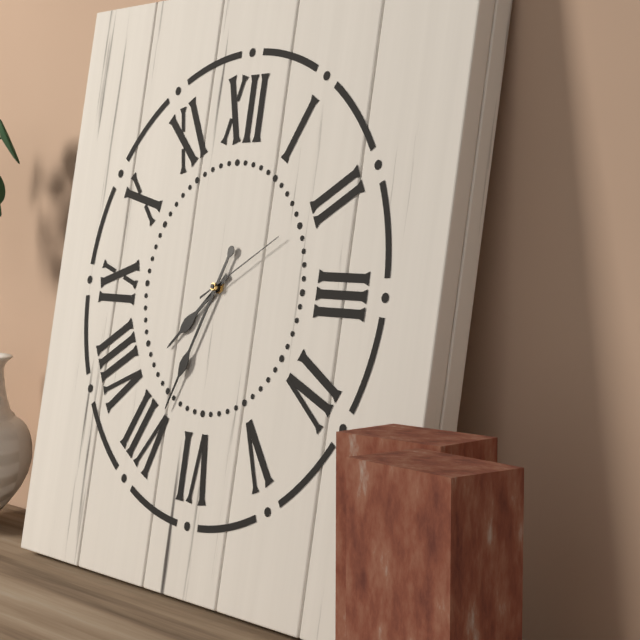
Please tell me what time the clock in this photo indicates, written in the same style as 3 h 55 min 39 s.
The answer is 7 h 34 min 10 s
